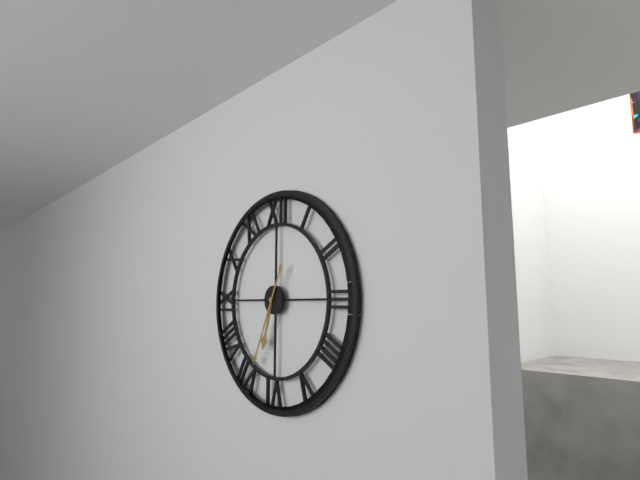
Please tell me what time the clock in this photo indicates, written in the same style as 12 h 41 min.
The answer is 6 h 34 min
